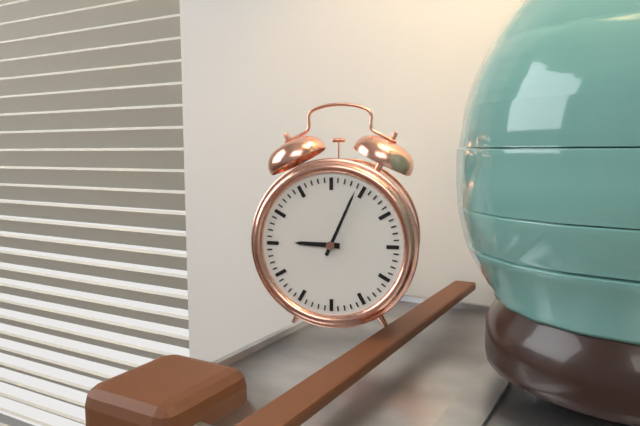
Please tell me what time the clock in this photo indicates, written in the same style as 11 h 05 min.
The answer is 9 h 04 min
